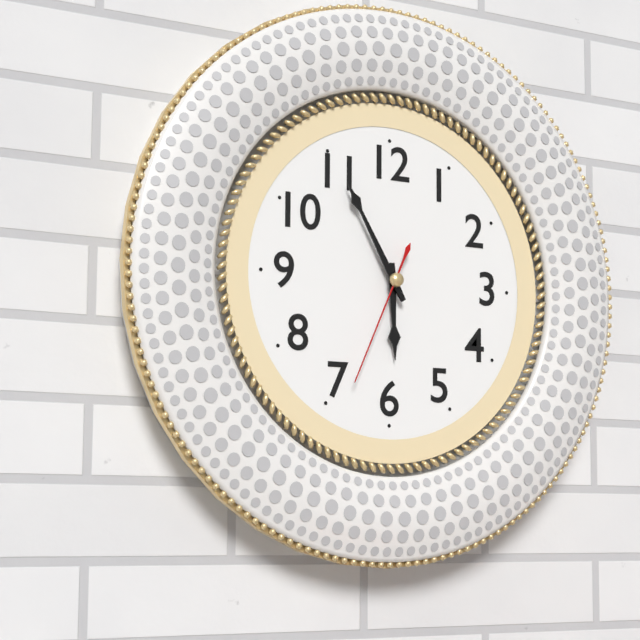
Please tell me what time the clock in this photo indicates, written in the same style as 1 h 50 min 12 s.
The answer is 5 h 55 min 34 s
